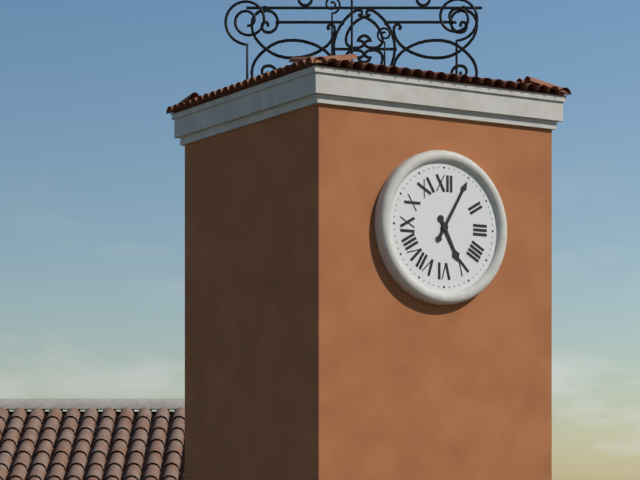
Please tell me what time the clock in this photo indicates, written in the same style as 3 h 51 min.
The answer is 5 h 05 min
